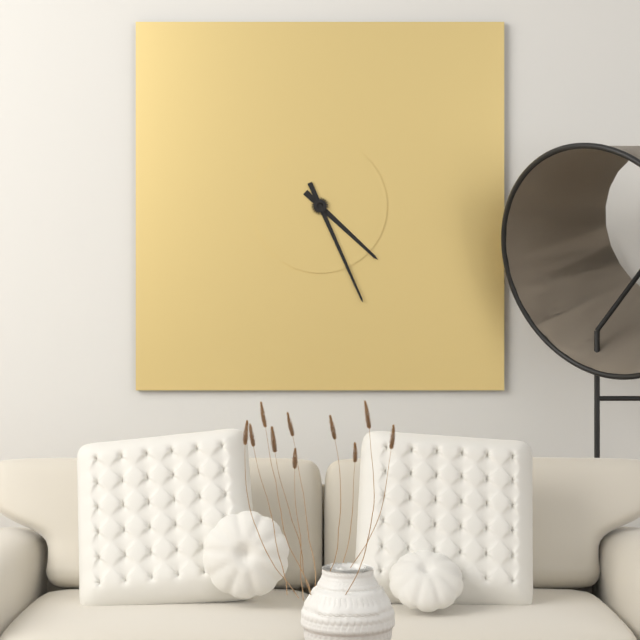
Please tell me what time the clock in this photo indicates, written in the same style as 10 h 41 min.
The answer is 4 h 26 min
